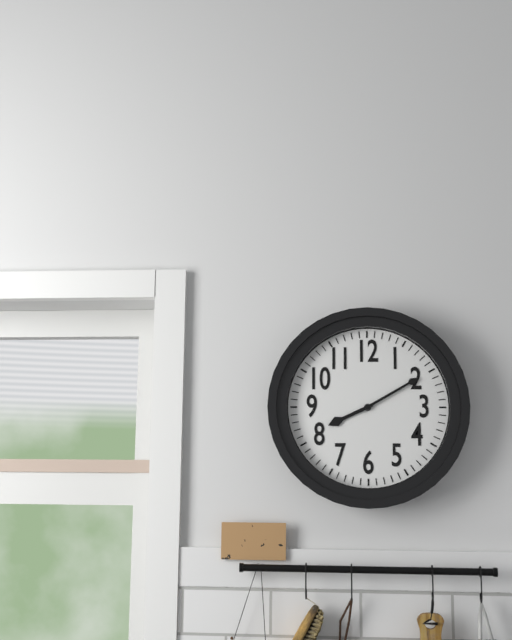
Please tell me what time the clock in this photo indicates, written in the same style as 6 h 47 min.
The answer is 8 h 10 min
